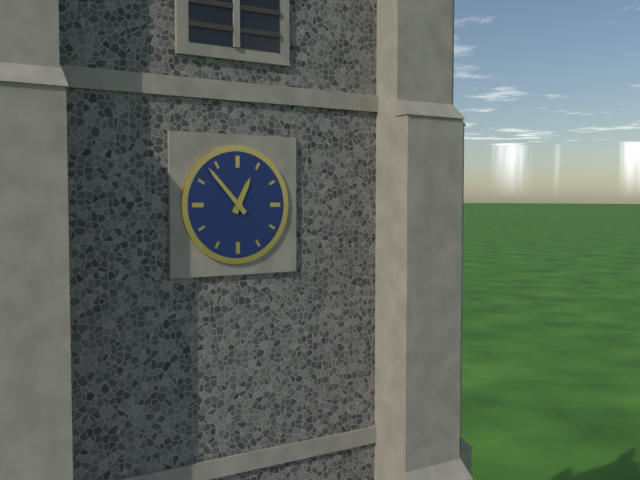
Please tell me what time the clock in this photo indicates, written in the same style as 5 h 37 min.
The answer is 12 h 53 min
